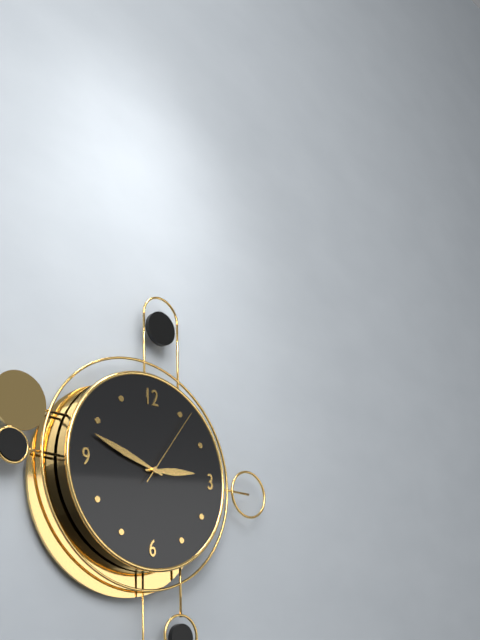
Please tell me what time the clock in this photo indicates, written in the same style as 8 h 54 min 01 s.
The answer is 2 h 48 min 06 s
